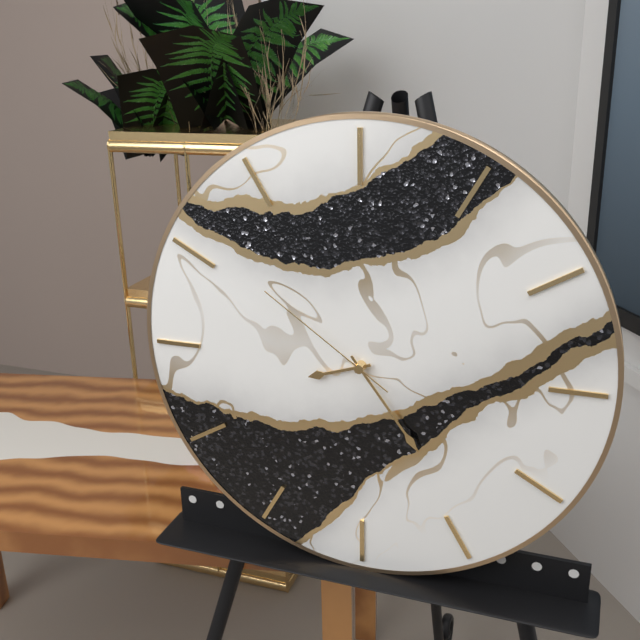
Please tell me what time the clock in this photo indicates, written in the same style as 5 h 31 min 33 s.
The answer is 8 h 24 min 51 s
